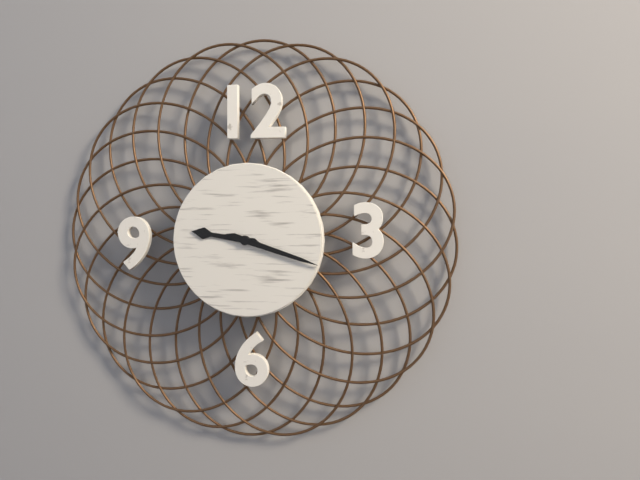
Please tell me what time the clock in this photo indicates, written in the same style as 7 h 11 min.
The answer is 9 h 18 min
